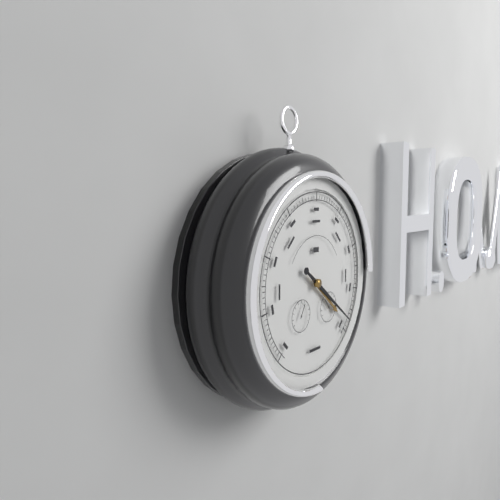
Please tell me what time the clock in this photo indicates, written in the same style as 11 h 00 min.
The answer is 4 h 21 min
